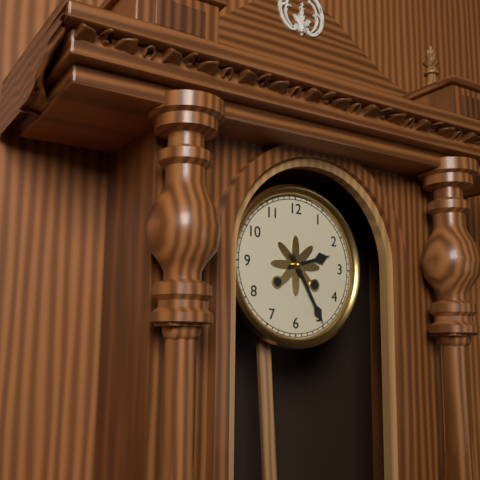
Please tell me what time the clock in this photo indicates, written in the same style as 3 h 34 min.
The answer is 2 h 25 min
